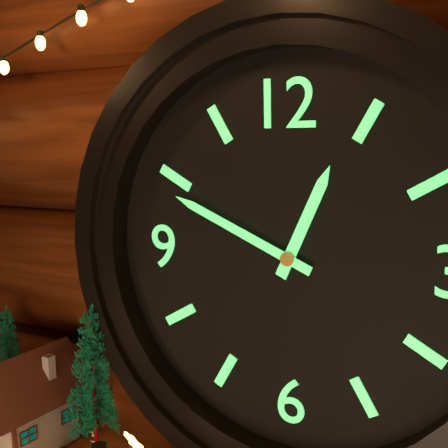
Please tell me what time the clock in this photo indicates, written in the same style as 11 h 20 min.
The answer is 12 h 49 min
